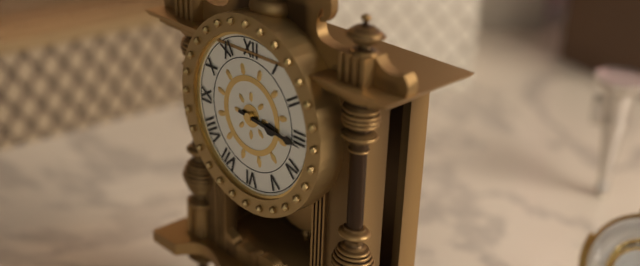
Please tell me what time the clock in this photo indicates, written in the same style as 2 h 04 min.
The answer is 3 h 16 min
